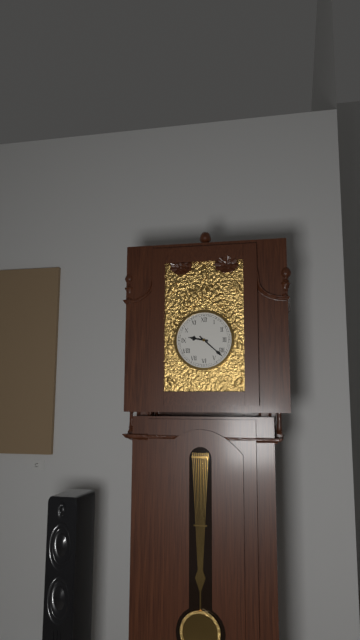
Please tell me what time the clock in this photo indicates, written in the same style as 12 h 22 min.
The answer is 9 h 22 min
